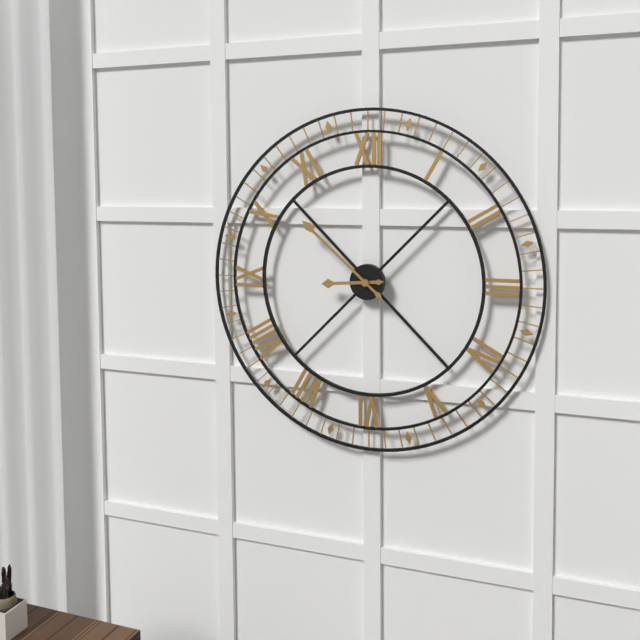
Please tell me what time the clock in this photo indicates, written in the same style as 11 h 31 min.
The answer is 8 h 52 min
